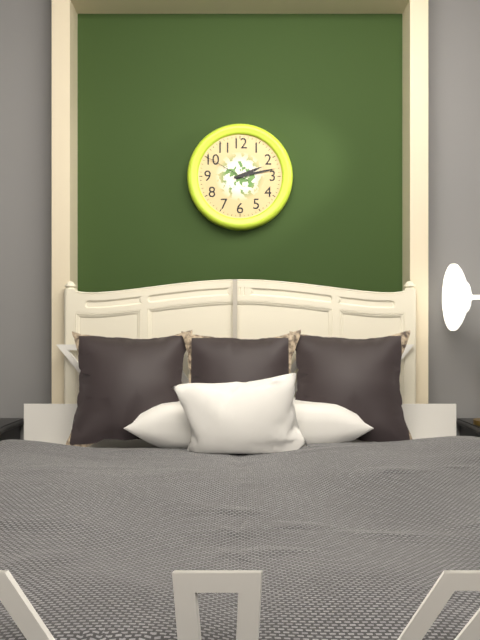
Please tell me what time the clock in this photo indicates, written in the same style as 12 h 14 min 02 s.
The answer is 2 h 13 min 50 s
